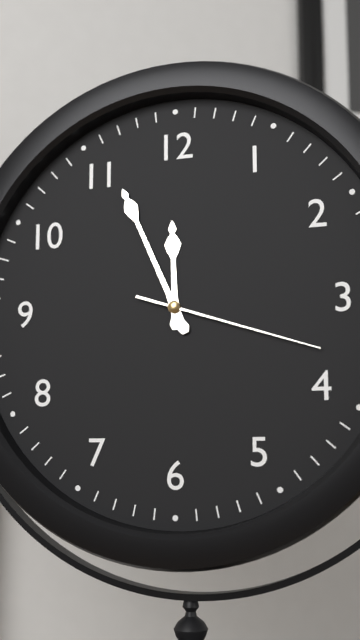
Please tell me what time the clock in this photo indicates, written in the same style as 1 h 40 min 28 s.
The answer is 11 h 56 min 18 s
